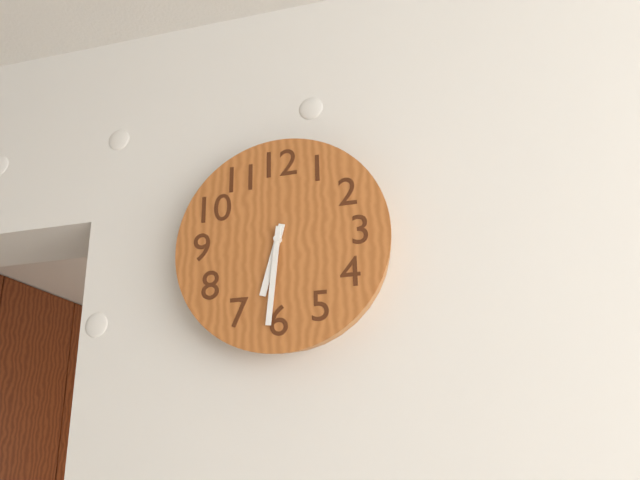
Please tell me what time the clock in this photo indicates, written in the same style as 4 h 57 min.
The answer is 6 h 31 min
